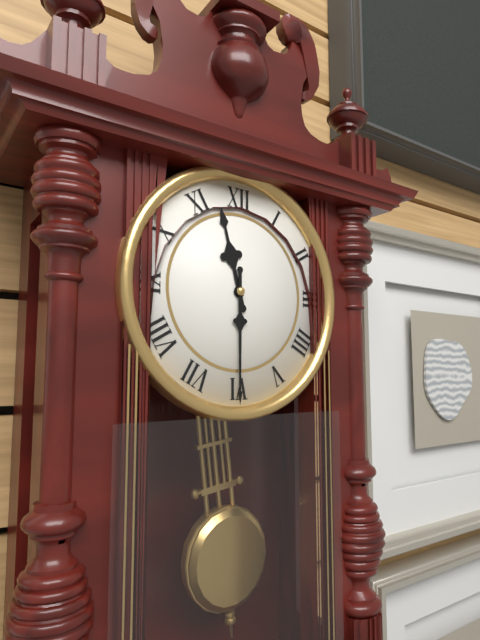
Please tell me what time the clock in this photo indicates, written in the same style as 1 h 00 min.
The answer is 11 h 30 min
